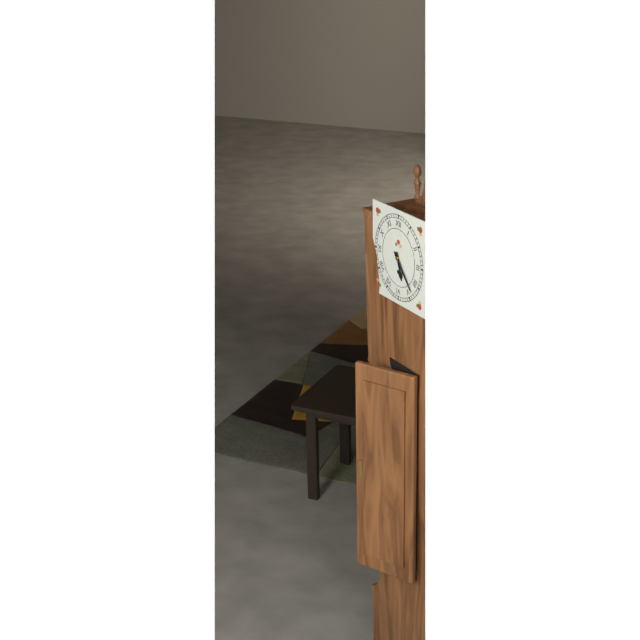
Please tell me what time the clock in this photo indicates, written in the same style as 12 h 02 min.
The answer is 5 h 23 min
